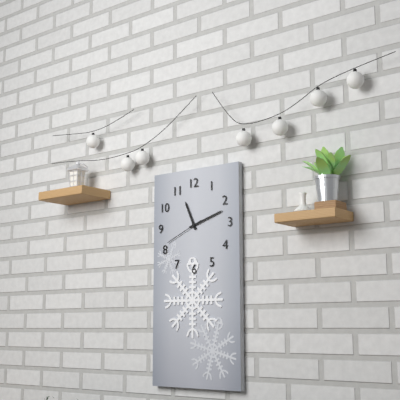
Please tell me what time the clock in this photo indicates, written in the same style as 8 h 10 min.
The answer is 11 h 12 min
